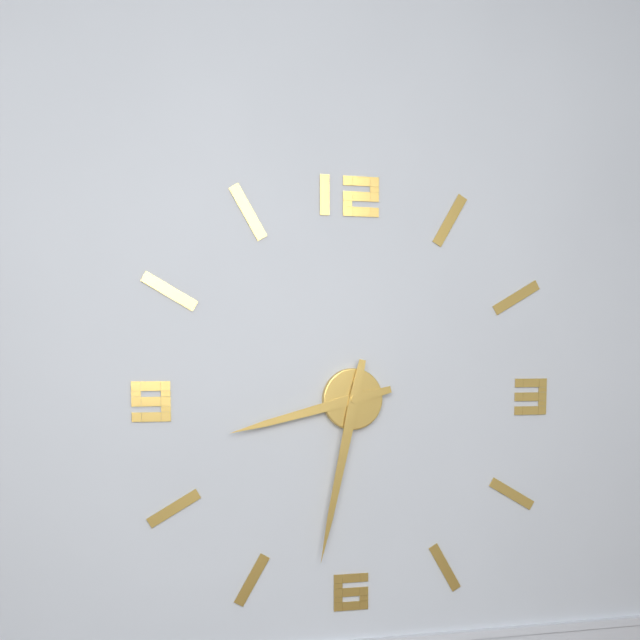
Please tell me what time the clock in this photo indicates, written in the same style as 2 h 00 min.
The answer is 8 h 32 min
